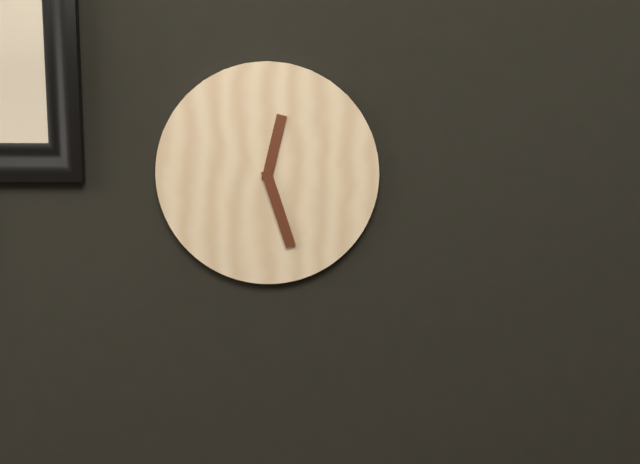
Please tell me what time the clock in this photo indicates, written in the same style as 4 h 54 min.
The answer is 12 h 27 min
